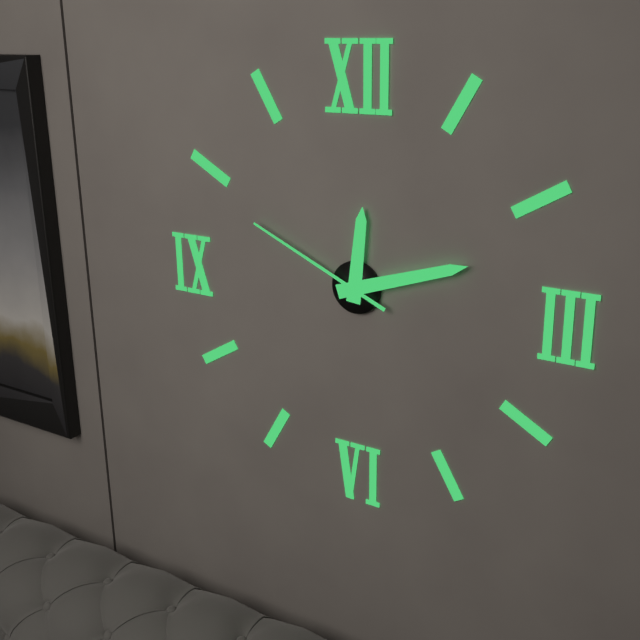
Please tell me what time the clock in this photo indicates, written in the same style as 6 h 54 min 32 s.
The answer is 12 h 12 min 49 s
